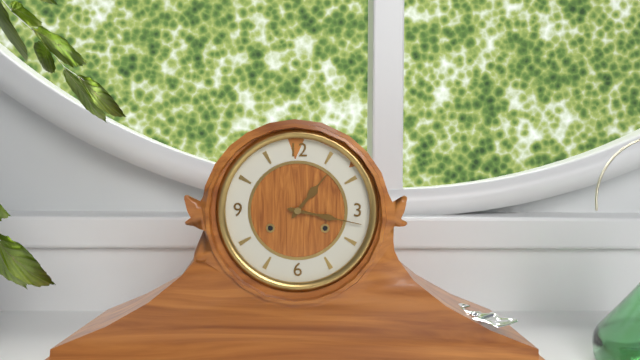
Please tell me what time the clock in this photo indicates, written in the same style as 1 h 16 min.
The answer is 1 h 17 min
